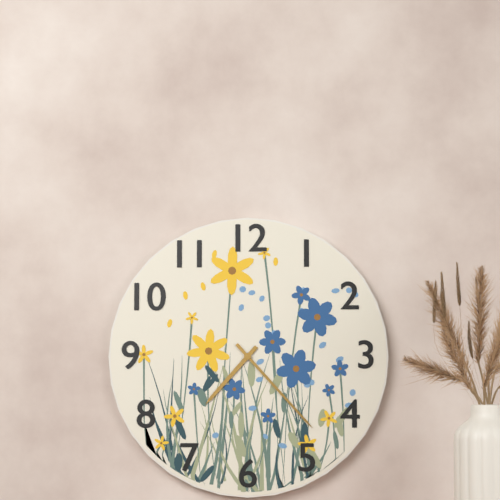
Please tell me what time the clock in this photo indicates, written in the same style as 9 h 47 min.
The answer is 7 h 23 min
